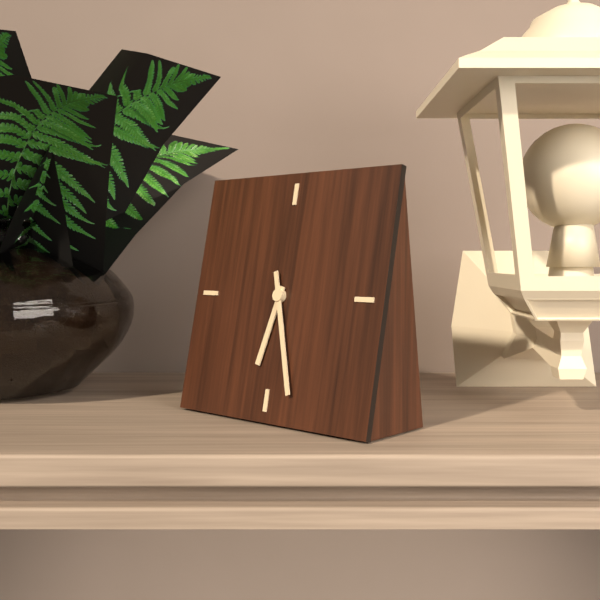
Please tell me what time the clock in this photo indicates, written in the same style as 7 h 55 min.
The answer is 6 h 27 min
